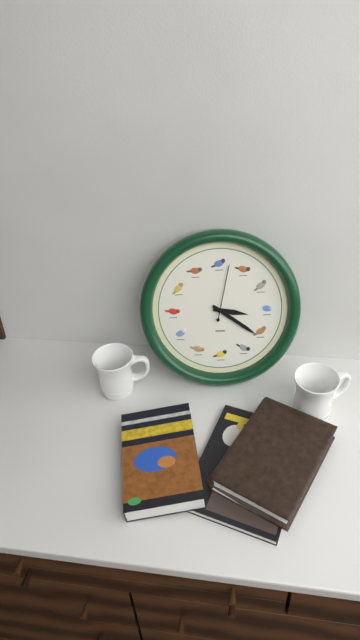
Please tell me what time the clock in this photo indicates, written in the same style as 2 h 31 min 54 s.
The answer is 3 h 21 min 02 s
